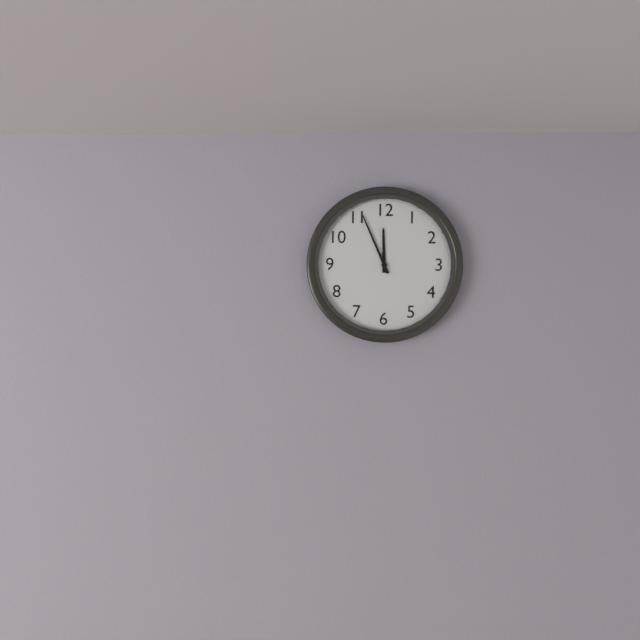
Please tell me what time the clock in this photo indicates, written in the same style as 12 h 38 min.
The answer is 11 h 56 min
